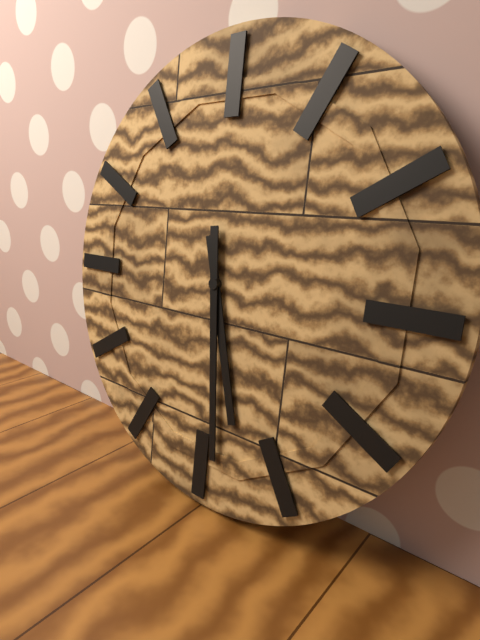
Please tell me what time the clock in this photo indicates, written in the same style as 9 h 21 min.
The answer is 5 h 29 min
